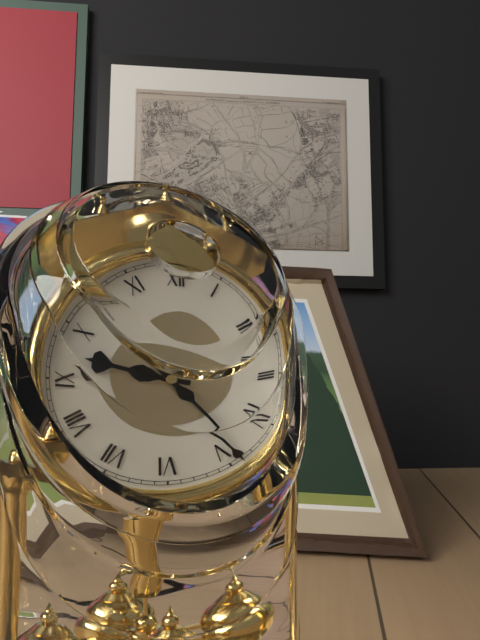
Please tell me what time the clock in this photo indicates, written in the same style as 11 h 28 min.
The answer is 9 h 24 min
